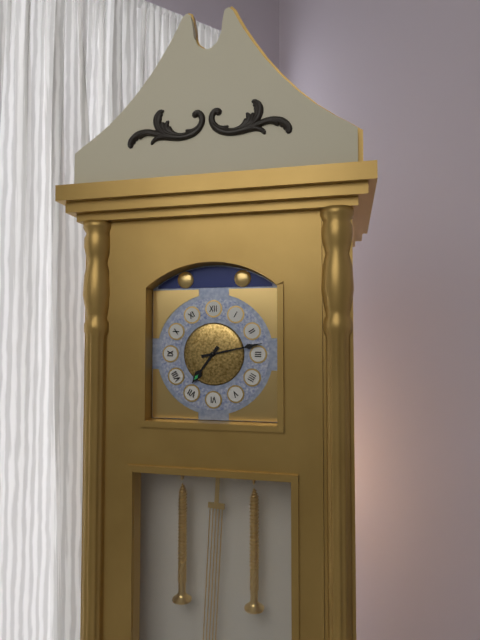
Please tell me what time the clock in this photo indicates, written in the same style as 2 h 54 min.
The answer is 7 h 13 min
